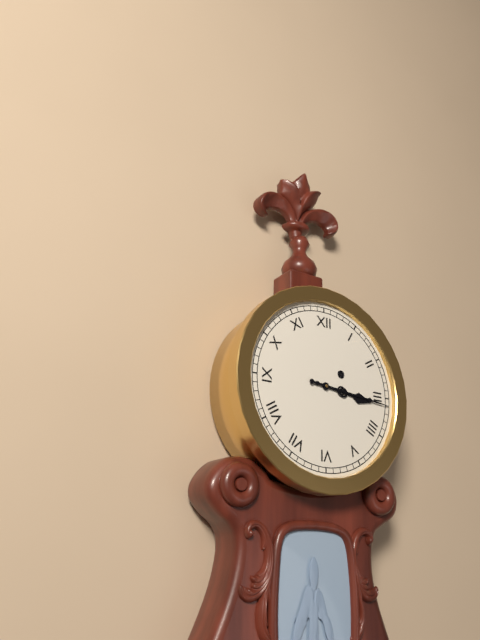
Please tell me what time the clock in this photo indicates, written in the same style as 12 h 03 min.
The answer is 3 h 16 min
